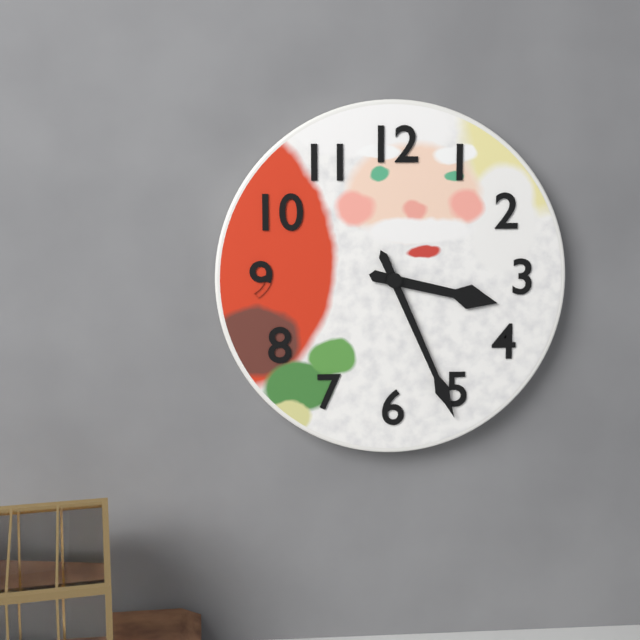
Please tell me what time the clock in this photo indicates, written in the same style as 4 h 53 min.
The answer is 3 h 26 min
